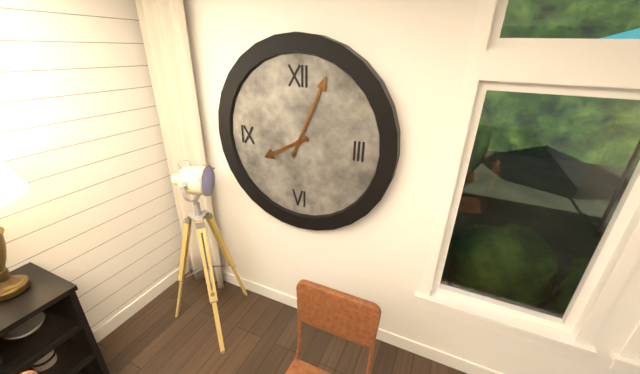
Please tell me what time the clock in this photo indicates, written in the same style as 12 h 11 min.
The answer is 8 h 04 min
